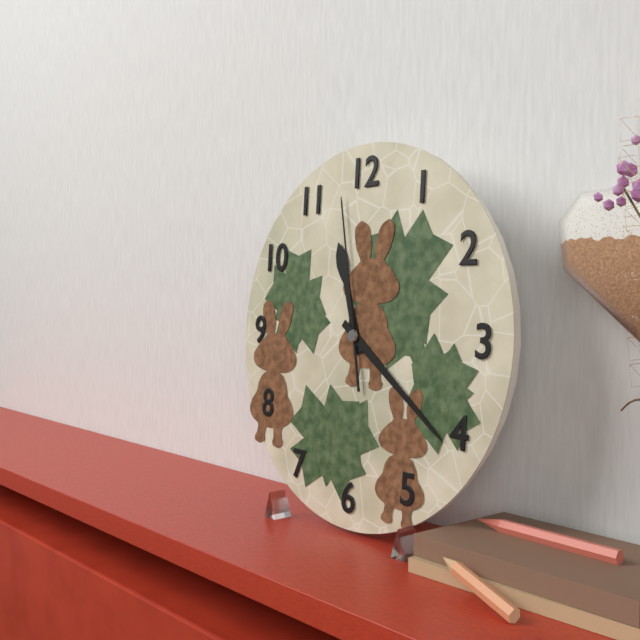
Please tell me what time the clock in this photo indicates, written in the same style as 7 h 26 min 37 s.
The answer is 11 h 21 min 58 s
